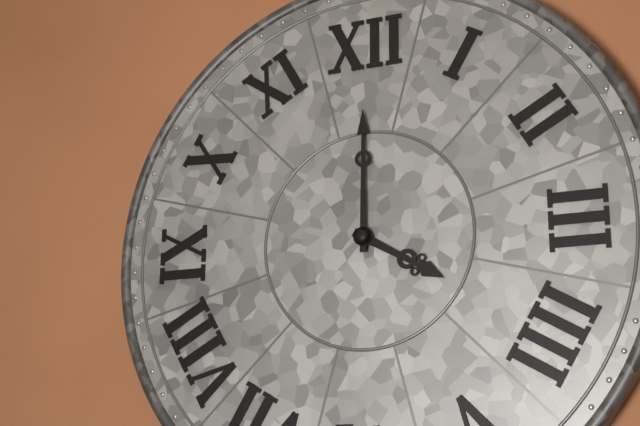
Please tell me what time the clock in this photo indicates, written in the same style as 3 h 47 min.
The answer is 4 h 00 min
